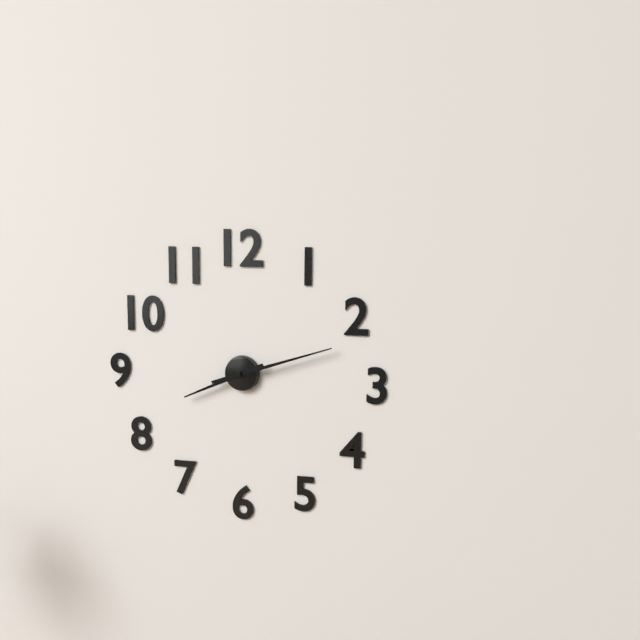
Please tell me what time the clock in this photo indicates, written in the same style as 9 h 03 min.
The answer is 8 h 12 min
